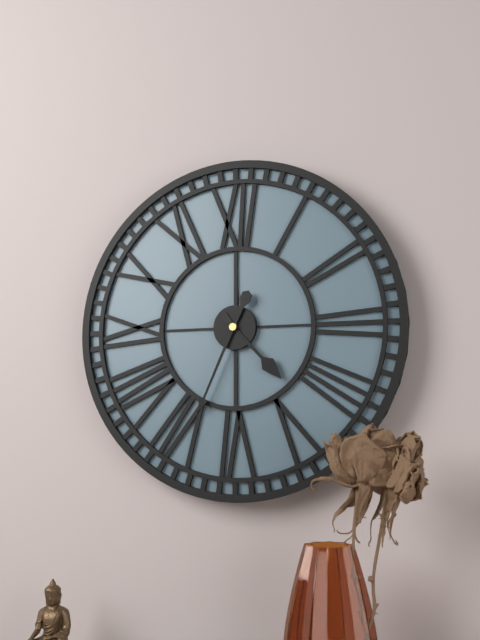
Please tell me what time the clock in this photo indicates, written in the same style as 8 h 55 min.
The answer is 4 h 34 min
